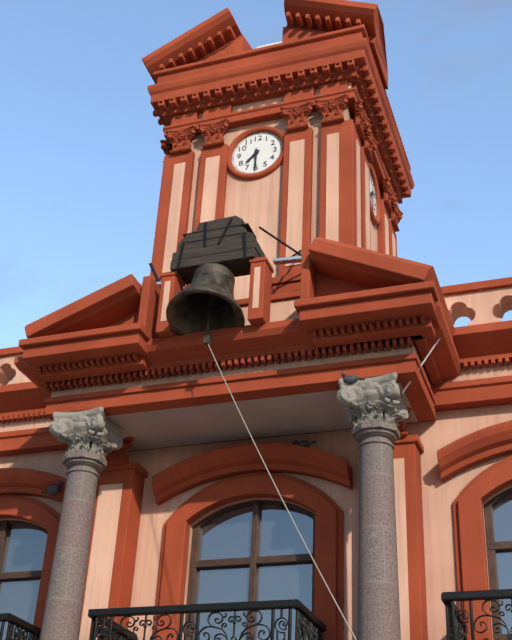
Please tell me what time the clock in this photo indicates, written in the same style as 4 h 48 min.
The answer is 7 h 30 min
